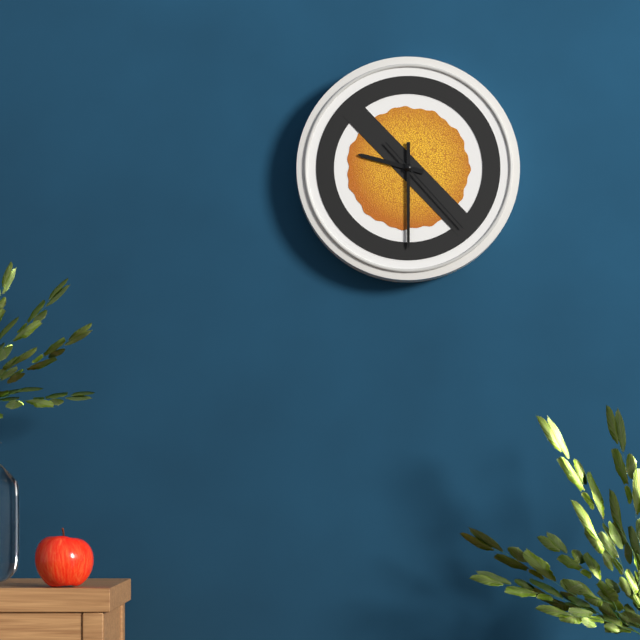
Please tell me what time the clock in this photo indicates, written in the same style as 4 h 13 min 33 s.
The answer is 9 h 30 min 23 s
